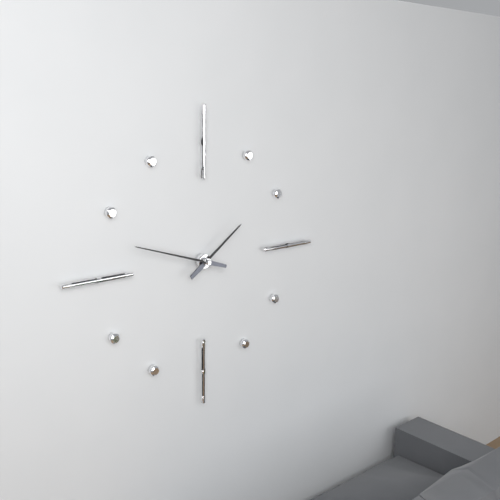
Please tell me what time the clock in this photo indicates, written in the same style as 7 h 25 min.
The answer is 1 h 48 min
